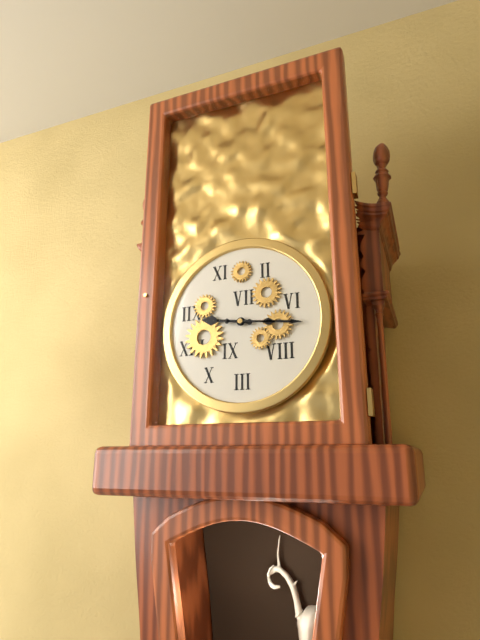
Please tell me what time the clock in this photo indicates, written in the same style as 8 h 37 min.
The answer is 9 h 16 min
